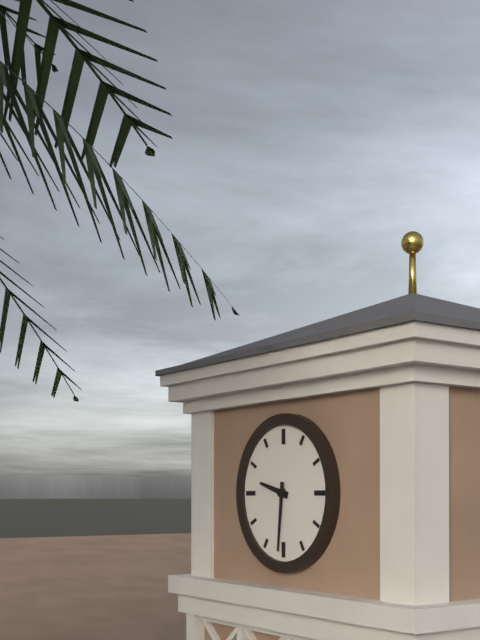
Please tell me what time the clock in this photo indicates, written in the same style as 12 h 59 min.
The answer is 9 h 31 min
